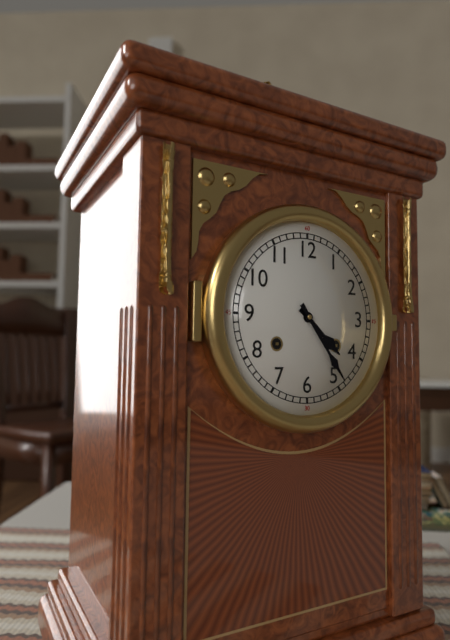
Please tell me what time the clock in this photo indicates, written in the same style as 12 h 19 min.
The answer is 4 h 24 min
